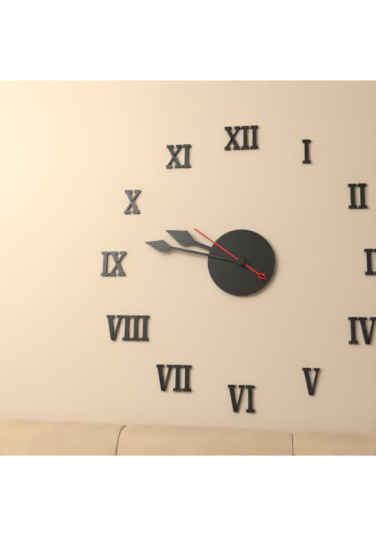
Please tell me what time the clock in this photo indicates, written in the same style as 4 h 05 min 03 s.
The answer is 9 h 47 min 51 s
